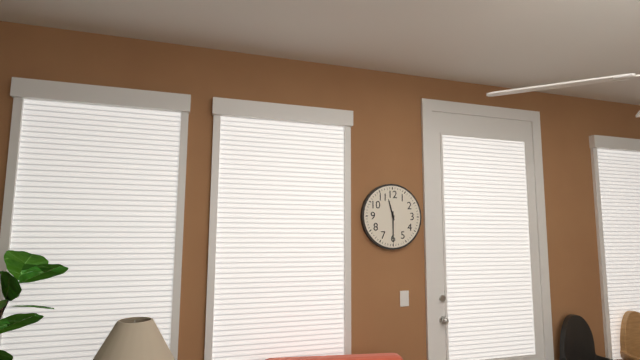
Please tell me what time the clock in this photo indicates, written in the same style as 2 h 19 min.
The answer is 11 h 30 min
